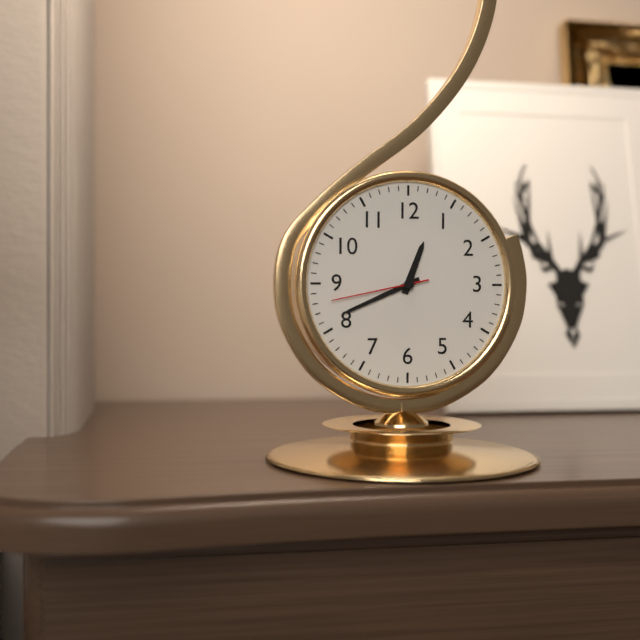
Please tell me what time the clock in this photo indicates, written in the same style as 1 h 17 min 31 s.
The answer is 12 h 41 min 43 s
